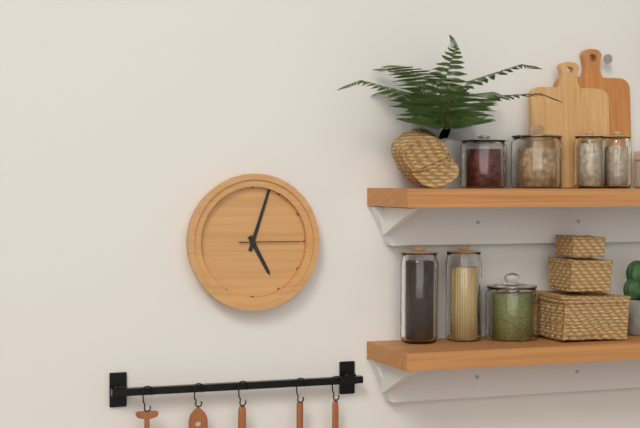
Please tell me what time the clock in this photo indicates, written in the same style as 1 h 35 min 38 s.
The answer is 5 h 03 min 15 s
